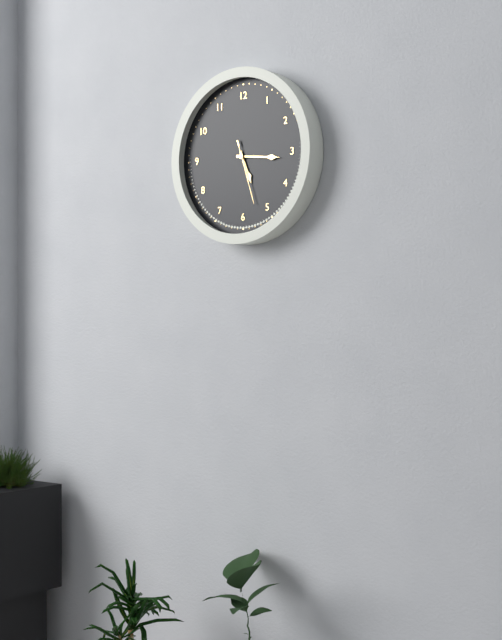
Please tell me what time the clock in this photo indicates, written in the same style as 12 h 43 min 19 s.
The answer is 5 h 16 min 27 s
